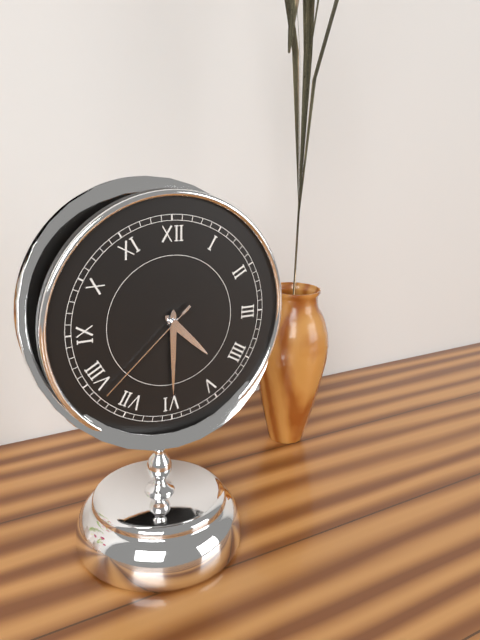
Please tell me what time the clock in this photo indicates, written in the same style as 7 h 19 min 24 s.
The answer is 4 h 30 min 38 s
